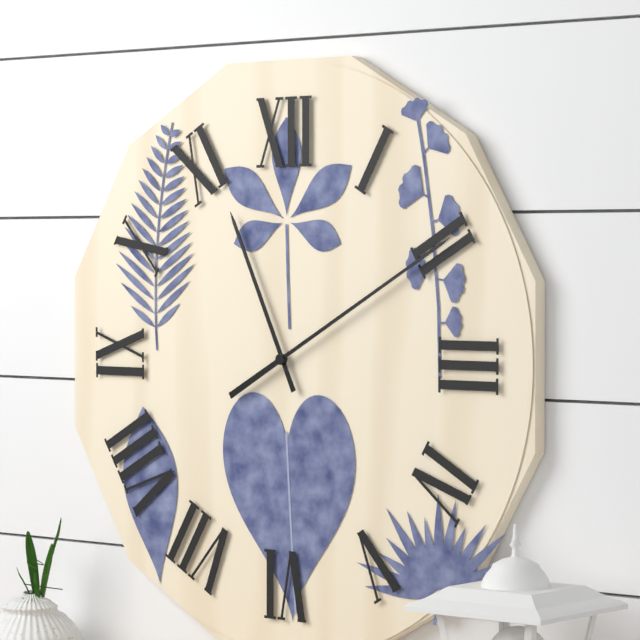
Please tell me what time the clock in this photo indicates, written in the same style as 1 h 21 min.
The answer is 11 h 10 min
